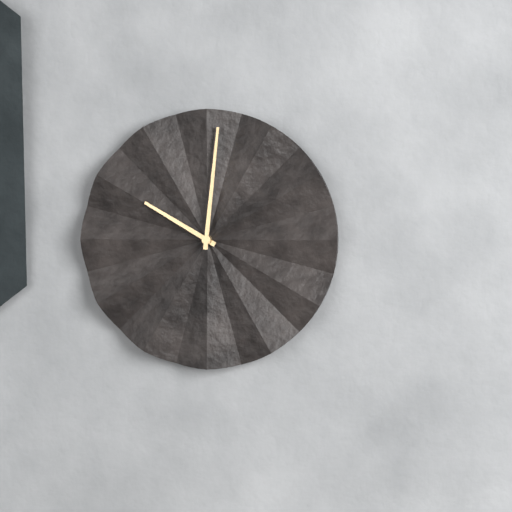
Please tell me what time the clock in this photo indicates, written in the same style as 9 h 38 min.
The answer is 10 h 01 min
